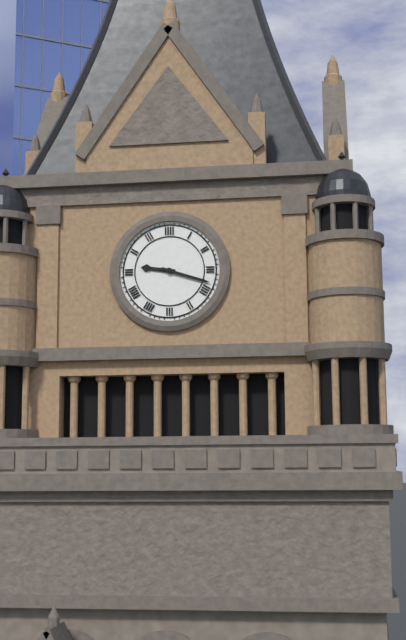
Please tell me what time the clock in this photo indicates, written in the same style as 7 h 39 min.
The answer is 9 h 18 min
